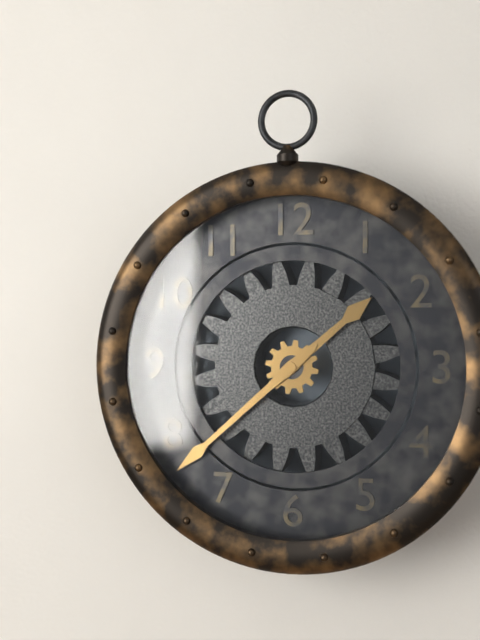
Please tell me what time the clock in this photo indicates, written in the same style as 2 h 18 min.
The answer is 1 h 38 min
